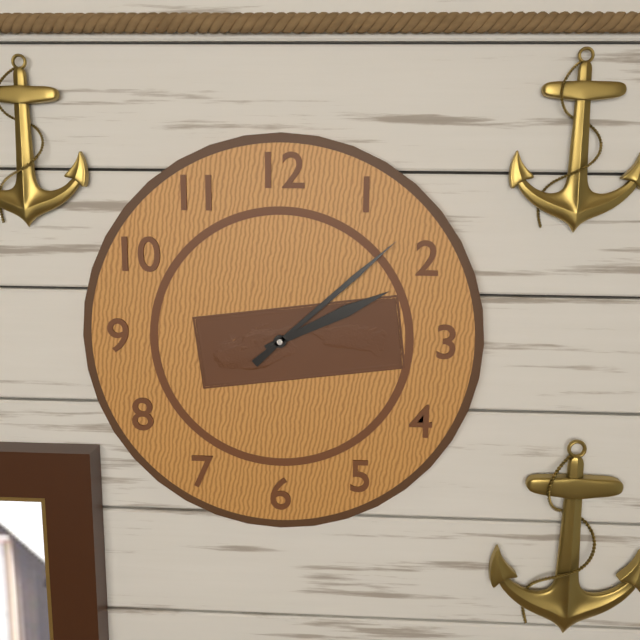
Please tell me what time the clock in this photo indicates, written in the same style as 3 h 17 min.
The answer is 2 h 08 min
